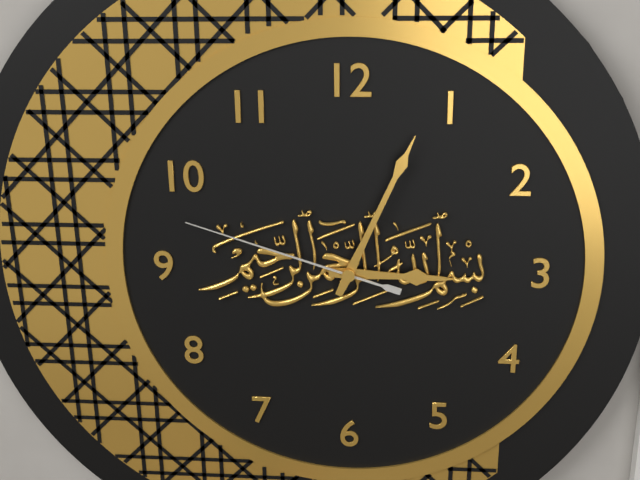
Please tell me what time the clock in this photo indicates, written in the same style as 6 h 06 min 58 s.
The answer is 3 h 04 min 48 s
